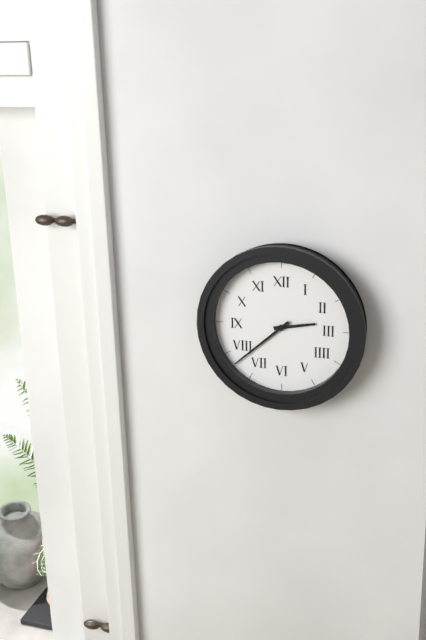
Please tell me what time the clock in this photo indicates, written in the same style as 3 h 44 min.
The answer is 2 h 38 min
